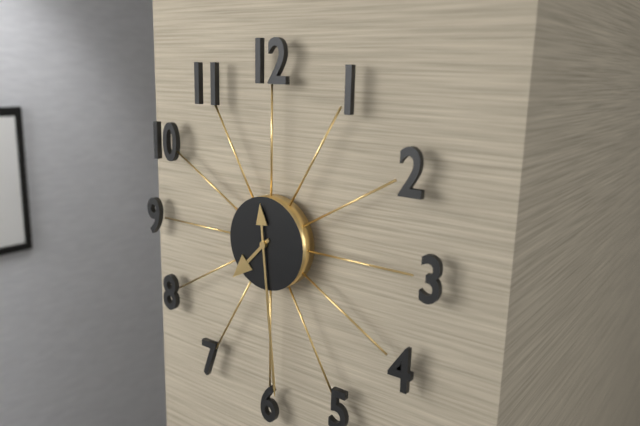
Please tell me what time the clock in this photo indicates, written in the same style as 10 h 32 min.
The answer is 7 h 29 min
